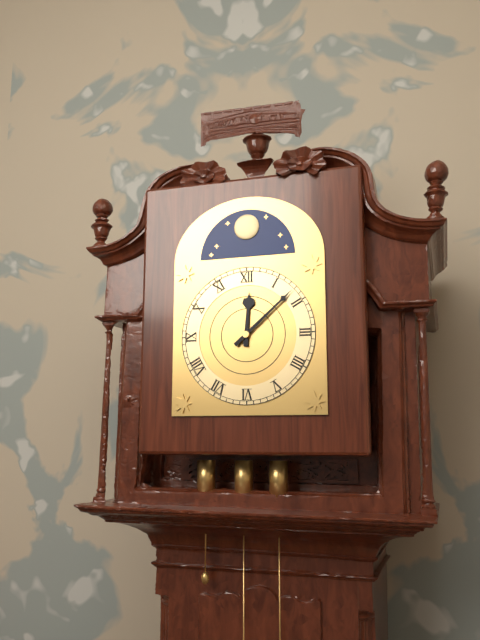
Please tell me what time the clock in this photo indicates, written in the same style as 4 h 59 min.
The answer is 12 h 08 min
